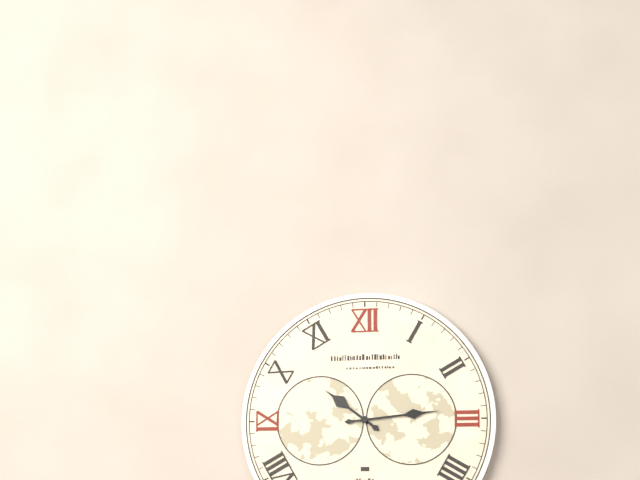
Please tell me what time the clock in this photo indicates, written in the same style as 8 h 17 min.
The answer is 10 h 14 min
